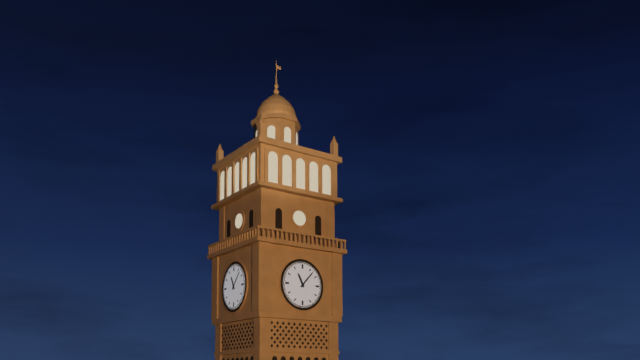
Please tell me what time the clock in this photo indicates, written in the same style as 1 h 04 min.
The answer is 11 h 07 min
